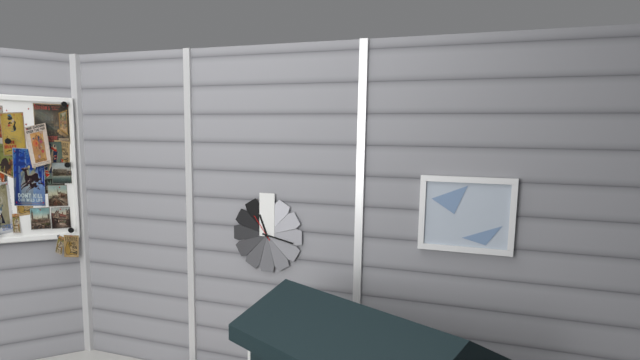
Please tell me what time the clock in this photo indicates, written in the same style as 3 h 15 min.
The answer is 11 h 17 min
